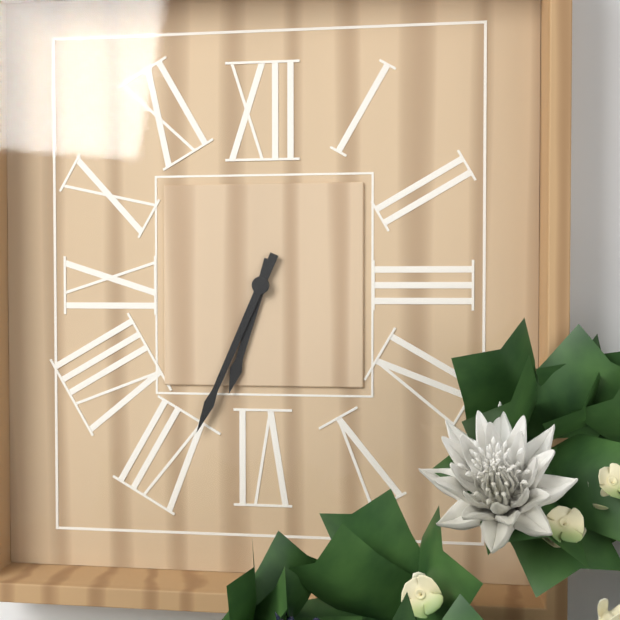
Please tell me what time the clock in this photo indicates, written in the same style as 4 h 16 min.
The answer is 6 h 34 min
